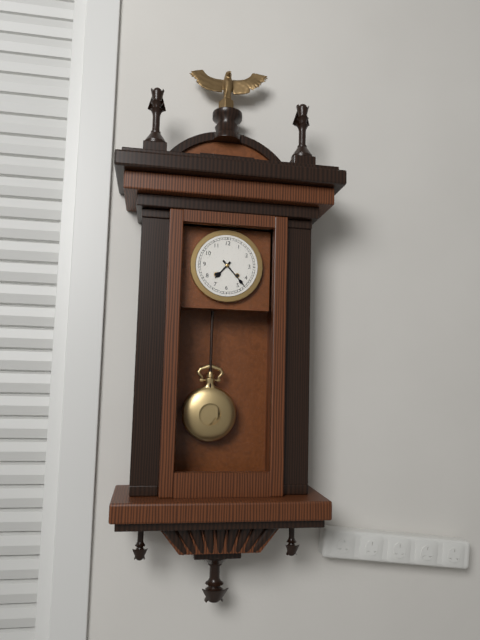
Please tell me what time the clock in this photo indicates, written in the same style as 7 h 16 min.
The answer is 7 h 23 min
